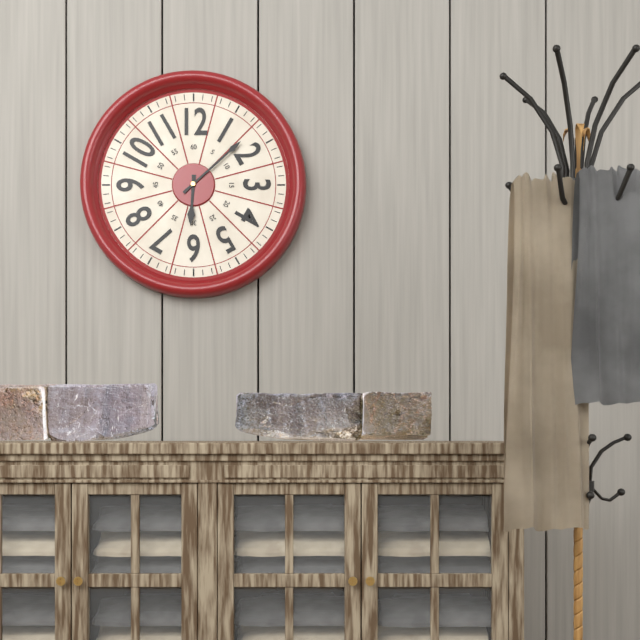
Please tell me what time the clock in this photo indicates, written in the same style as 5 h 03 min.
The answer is 6 h 08 min
